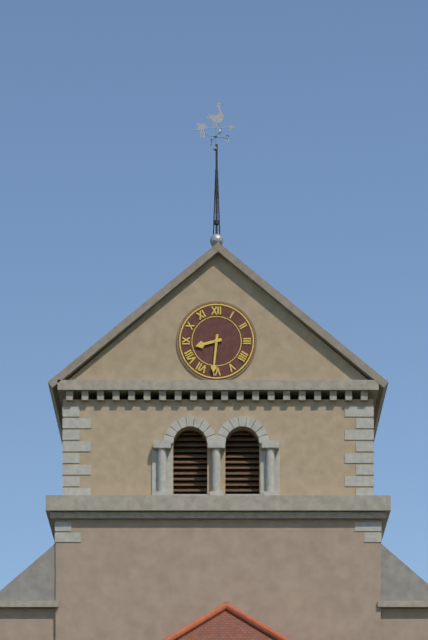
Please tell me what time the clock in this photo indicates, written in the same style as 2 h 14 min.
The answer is 8 h 31 min
